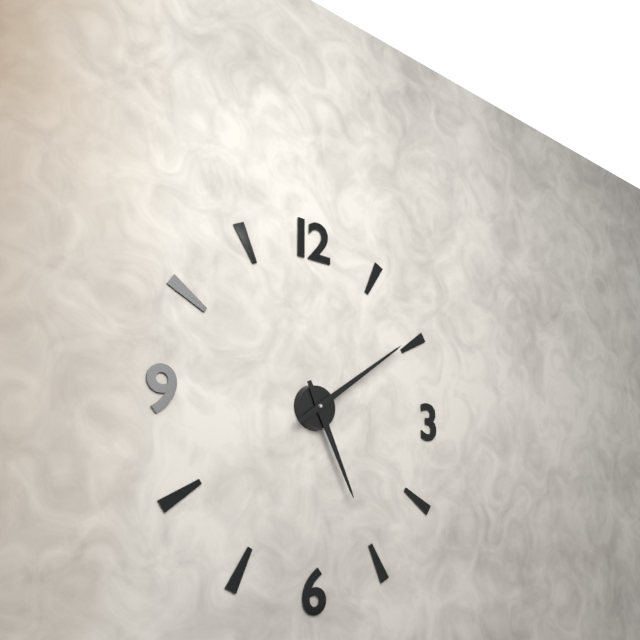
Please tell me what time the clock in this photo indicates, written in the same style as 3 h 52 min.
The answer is 5 h 09 min
